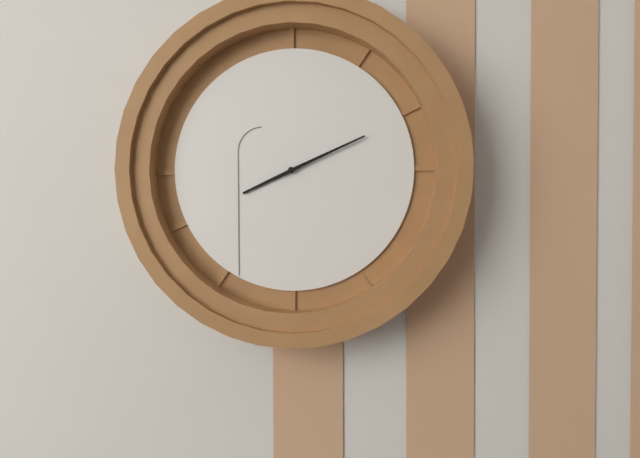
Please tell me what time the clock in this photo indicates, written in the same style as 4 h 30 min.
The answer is 8 h 11 min
